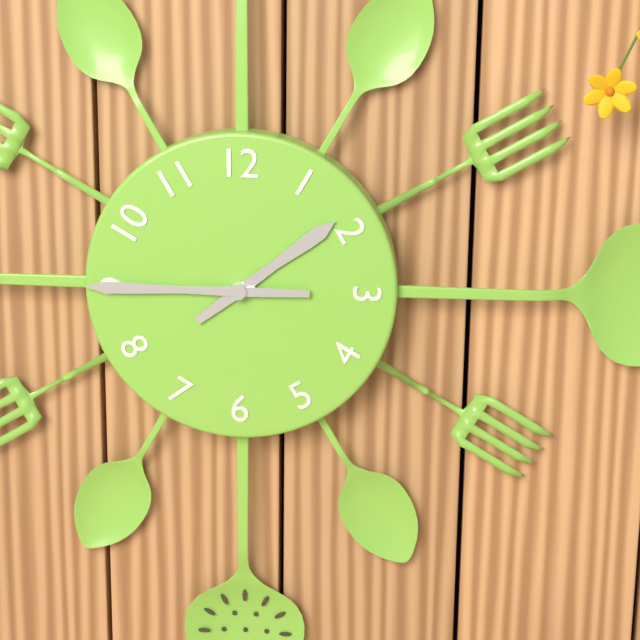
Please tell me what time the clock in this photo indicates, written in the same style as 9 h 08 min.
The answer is 1 h 45 min
